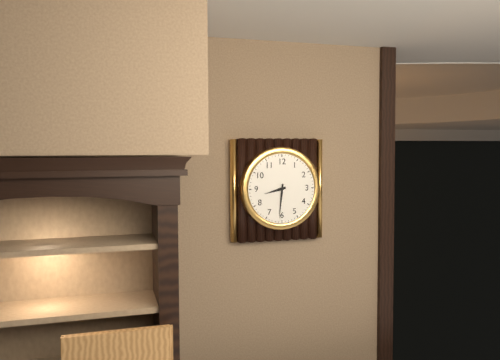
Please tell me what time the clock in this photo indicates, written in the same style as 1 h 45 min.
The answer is 8 h 31 min
